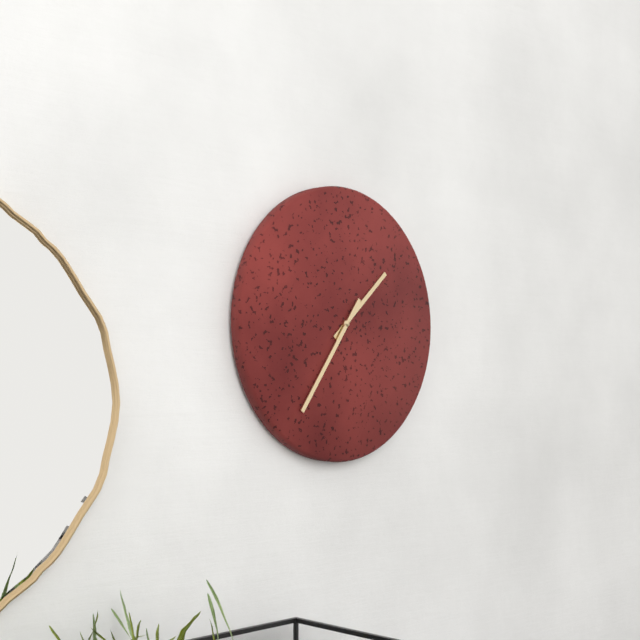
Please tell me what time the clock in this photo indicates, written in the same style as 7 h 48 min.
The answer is 1 h 36 min
